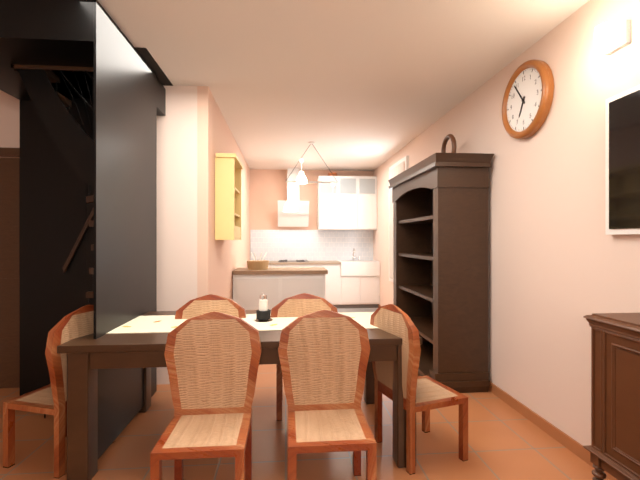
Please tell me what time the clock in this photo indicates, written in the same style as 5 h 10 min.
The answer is 6 h 54 min
